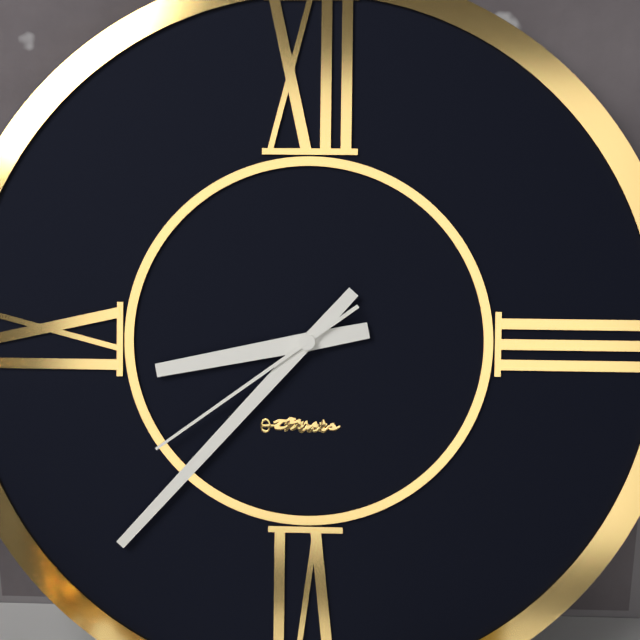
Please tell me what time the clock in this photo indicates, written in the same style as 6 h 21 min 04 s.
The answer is 8 h 37 min 39 s
